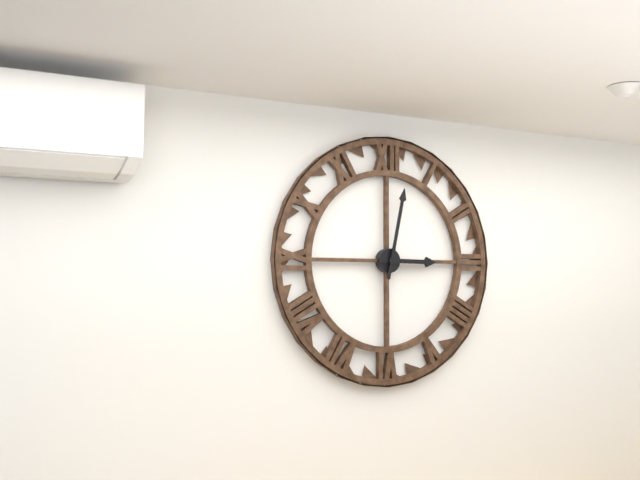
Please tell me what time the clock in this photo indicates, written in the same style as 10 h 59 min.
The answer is 3 h 02 min
